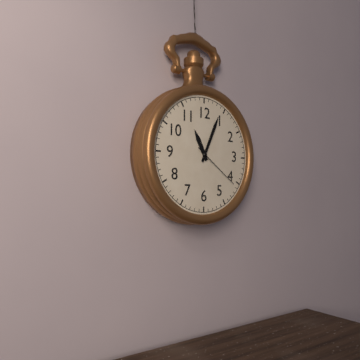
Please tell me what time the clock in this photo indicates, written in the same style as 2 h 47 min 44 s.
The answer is 11 h 04 min 21 s
